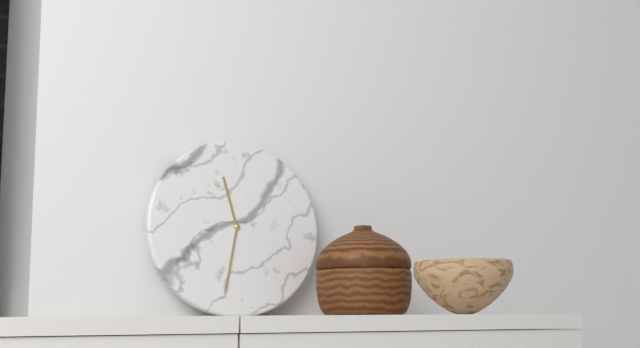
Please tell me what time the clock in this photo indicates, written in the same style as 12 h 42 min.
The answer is 11 h 32 min
